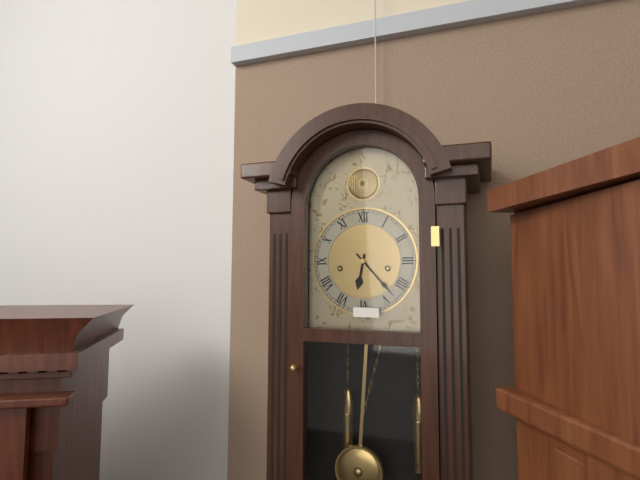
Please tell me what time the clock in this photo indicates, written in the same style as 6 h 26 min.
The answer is 6 h 23 min
